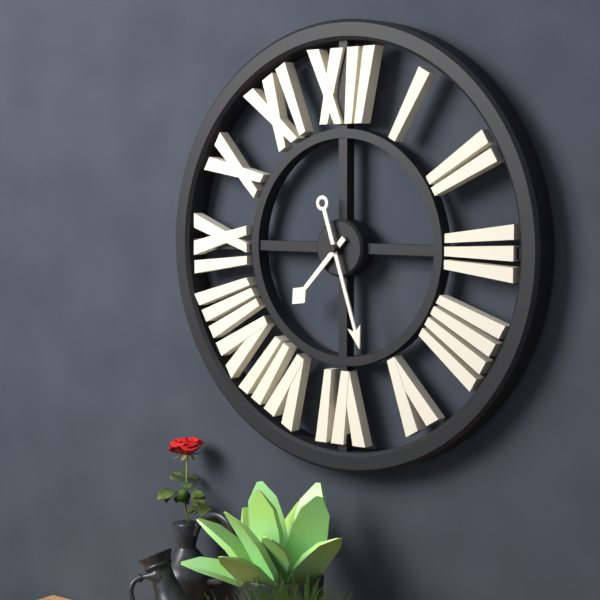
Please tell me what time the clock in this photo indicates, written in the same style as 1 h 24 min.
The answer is 7 h 27 min
